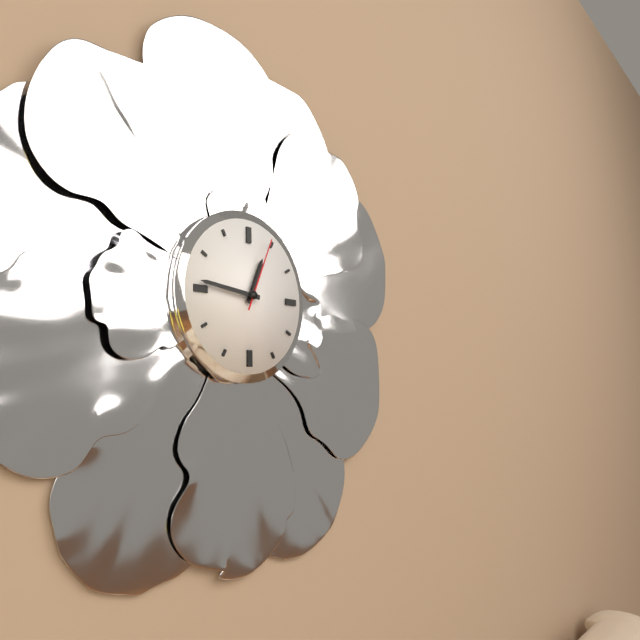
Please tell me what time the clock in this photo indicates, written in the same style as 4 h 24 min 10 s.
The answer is 12 h 46 min 04 s
